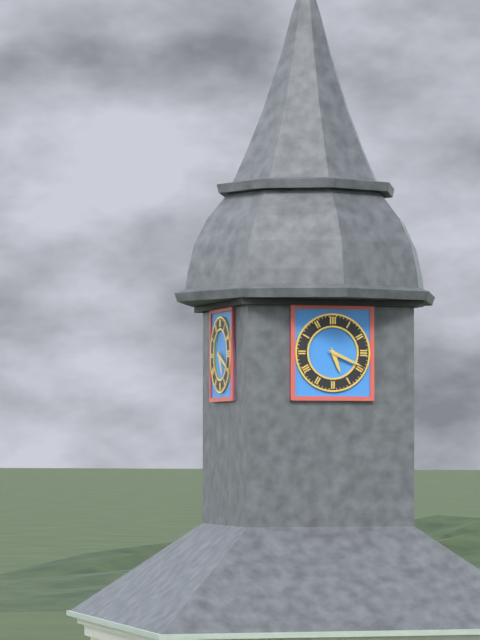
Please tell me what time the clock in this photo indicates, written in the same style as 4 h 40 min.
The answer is 5 h 19 min
